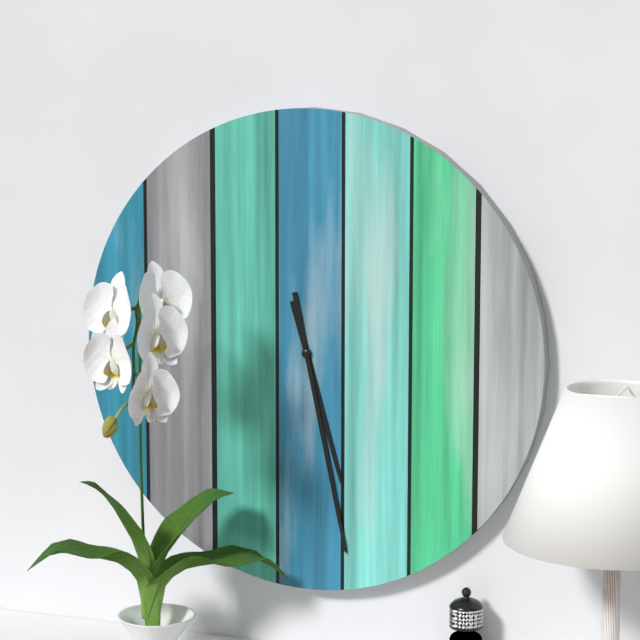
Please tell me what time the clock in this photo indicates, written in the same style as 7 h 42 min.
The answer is 5 h 28 min
